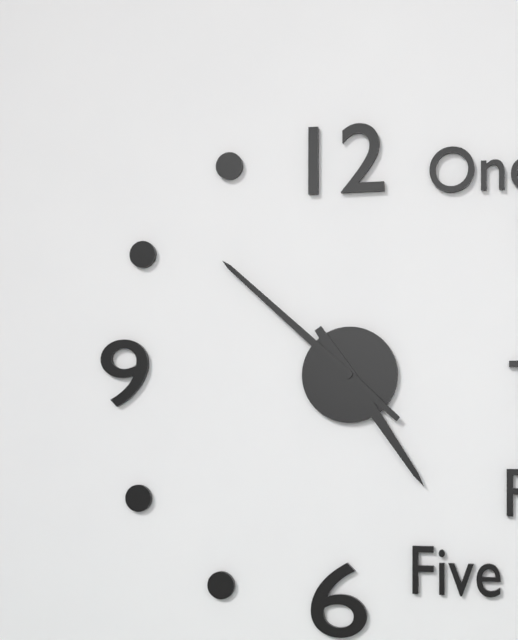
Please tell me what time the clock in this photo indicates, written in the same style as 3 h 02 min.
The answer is 4 h 52 min
